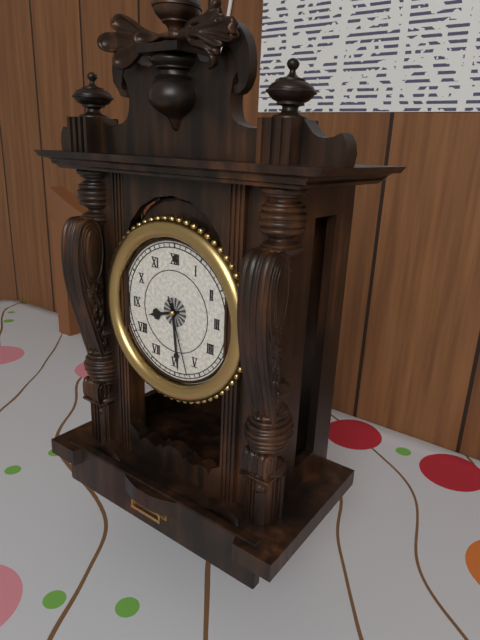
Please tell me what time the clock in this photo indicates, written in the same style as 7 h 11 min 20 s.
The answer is 8 h 29 min 27 s
